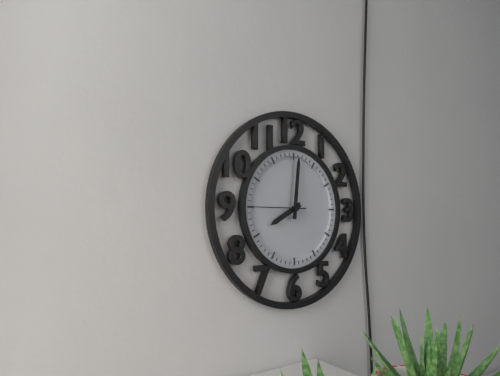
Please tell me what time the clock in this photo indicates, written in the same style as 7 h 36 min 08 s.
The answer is 8 h 01 min 45 s
